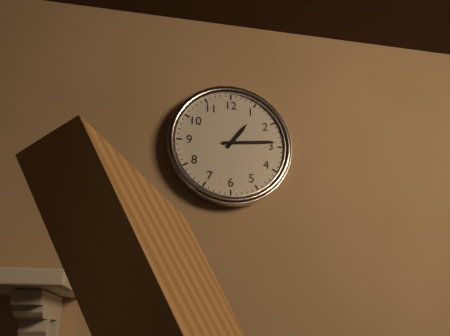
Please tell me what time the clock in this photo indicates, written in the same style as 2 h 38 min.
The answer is 1 h 14 min
